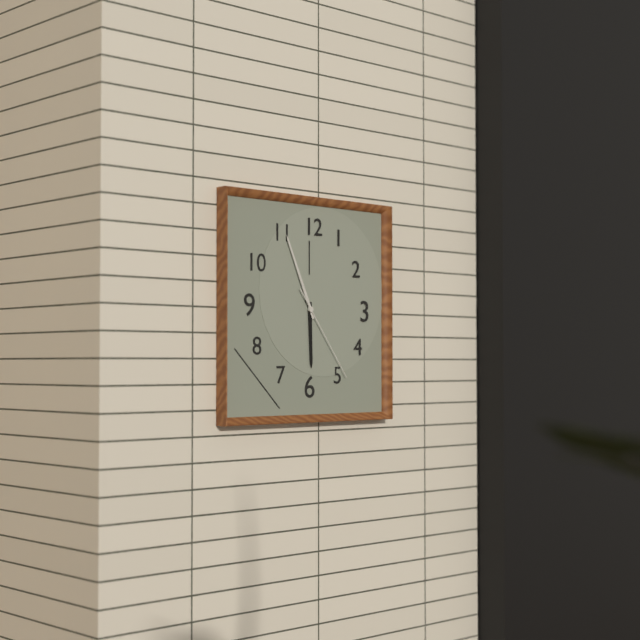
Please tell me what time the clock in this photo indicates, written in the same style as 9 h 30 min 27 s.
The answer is 5 h 56 min 24 s
